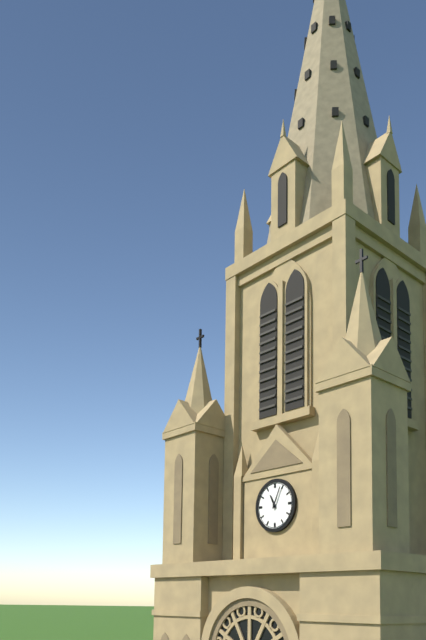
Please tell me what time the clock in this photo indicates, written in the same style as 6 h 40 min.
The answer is 11 h 04 min
